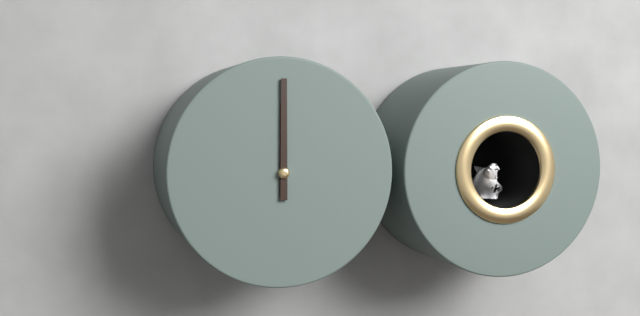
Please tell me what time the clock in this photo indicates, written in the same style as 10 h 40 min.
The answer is 12 h 00 min
